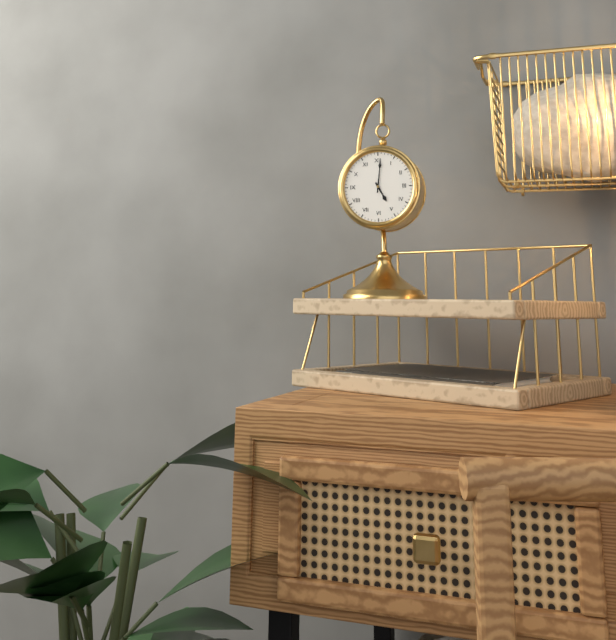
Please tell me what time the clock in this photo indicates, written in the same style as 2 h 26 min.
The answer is 5 h 01 min
